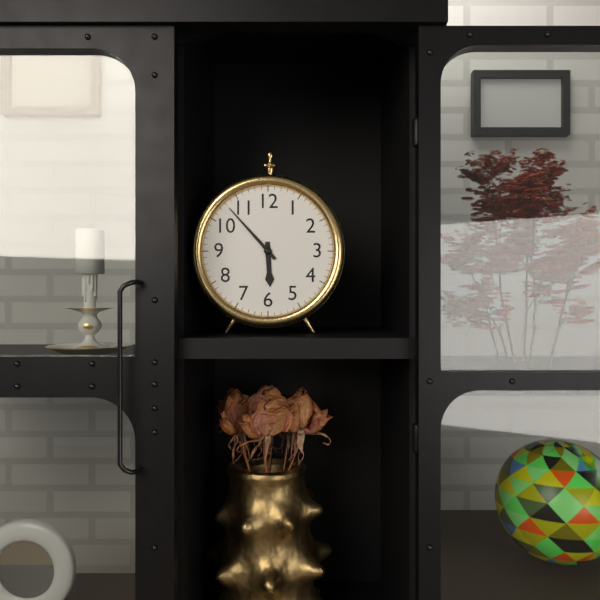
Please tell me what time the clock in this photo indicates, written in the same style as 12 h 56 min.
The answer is 5 h 53 min
